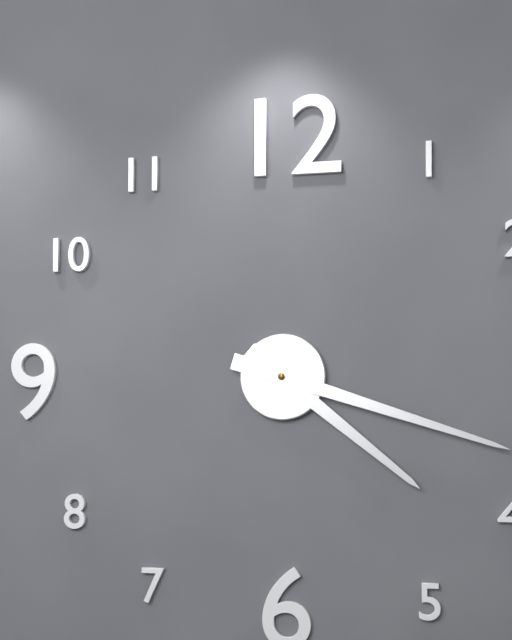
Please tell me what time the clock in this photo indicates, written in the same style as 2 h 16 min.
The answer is 4 h 18 min
